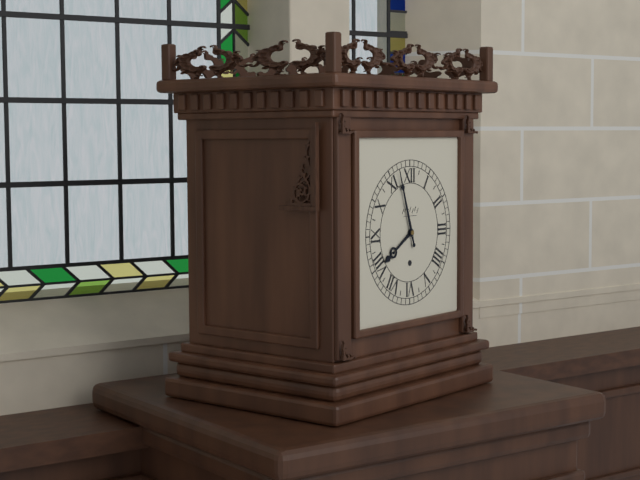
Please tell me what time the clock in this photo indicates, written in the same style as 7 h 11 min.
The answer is 7 h 57 min
